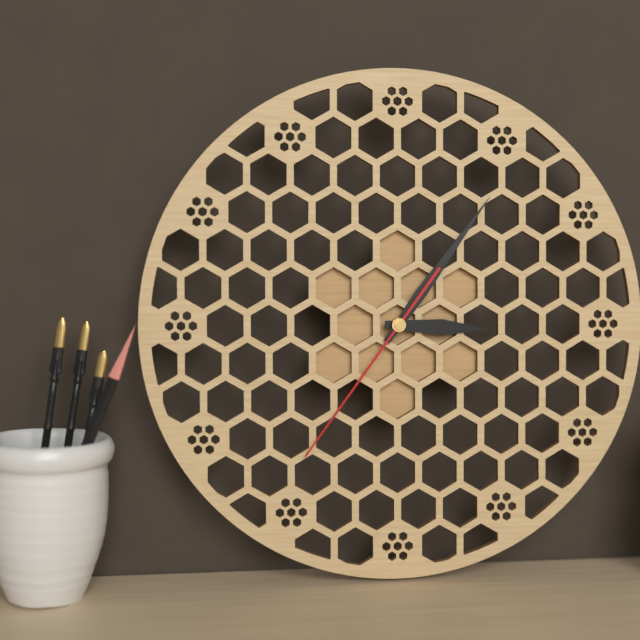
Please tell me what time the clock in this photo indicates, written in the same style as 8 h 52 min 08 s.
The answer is 3 h 06 min 36 s
